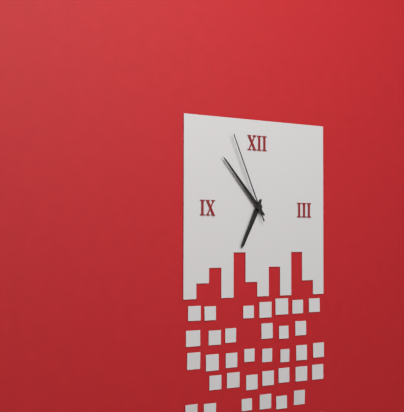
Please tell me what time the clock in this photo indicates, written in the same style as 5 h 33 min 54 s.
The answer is 6 h 53 min 56 s
